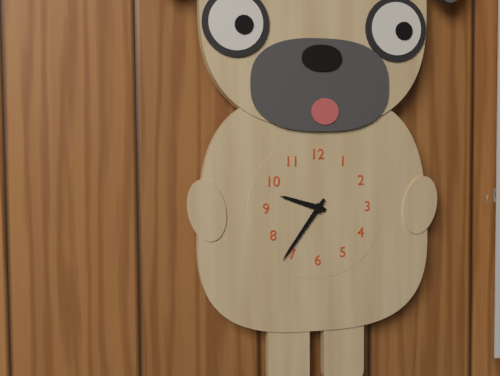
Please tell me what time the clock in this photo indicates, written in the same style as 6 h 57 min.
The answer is 9 h 36 min
